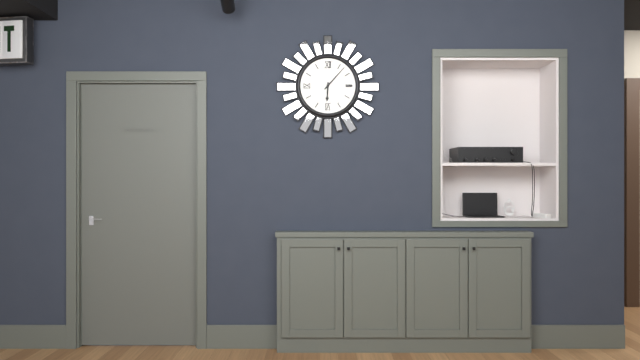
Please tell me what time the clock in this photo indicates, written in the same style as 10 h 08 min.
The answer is 6 h 07 min
